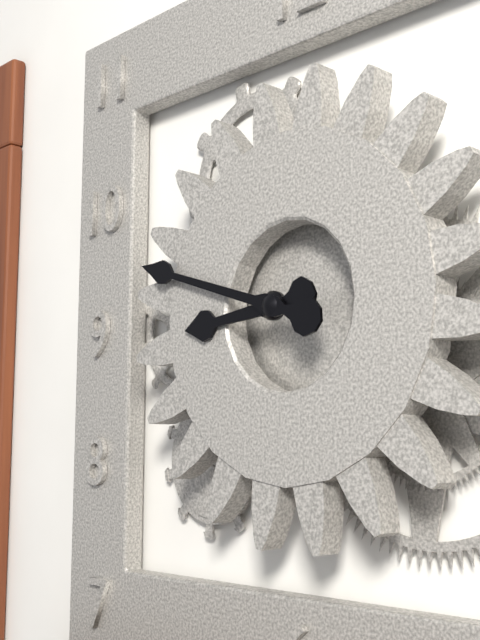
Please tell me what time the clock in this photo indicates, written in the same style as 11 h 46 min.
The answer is 8 h 48 min
